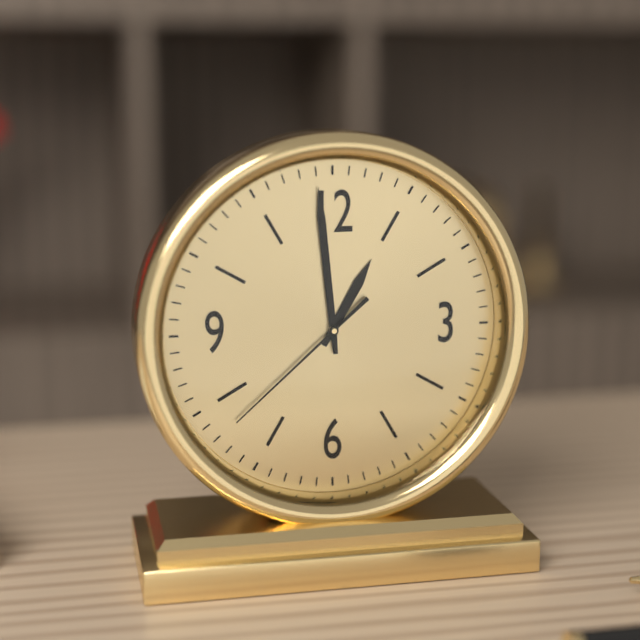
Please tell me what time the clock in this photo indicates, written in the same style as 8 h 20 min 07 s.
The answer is 12 h 59 min 38 s
